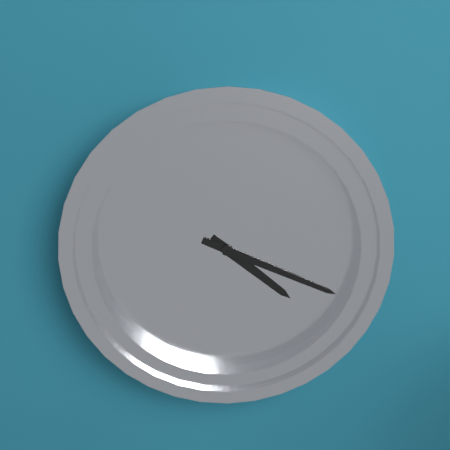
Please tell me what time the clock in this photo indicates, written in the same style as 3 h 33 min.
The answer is 4 h 19 min
